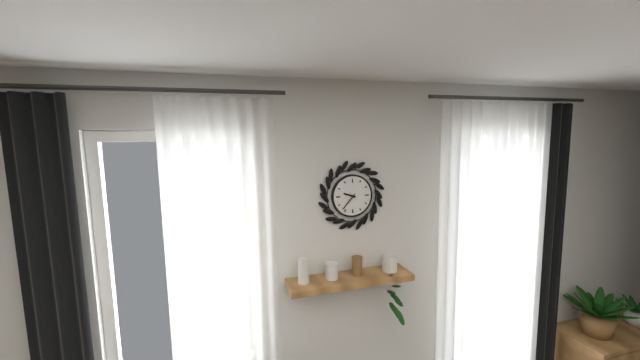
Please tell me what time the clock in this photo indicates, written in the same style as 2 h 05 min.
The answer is 9 h 37 min
